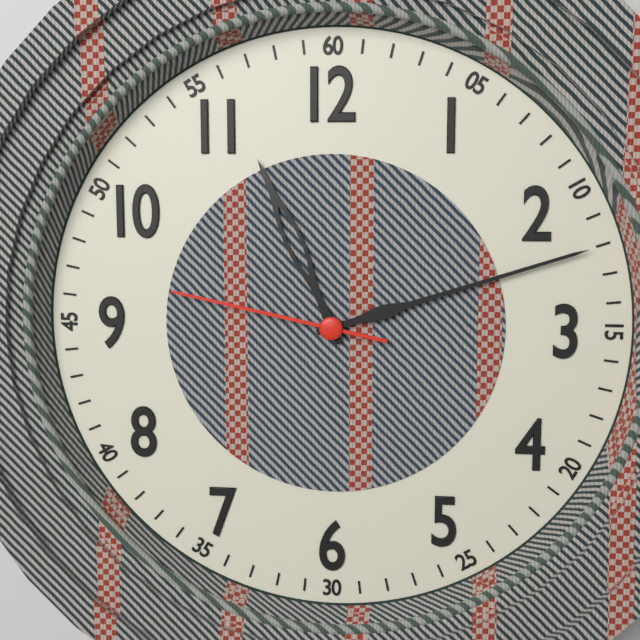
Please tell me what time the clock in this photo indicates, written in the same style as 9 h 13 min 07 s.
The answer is 11 h 12 min 47 s
